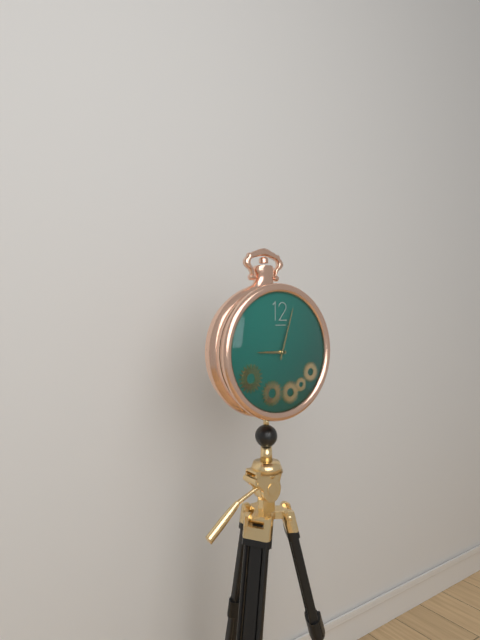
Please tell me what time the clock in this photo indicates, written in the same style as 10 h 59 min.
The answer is 9 h 03 min
